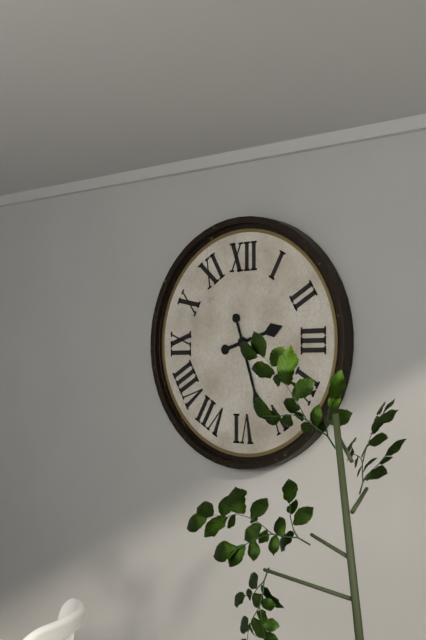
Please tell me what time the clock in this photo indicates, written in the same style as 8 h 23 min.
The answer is 2 h 27 min
